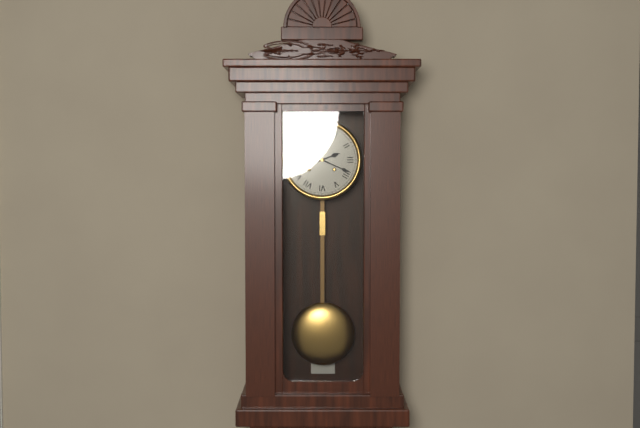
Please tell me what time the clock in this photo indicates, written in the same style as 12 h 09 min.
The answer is 2 h 19 min
